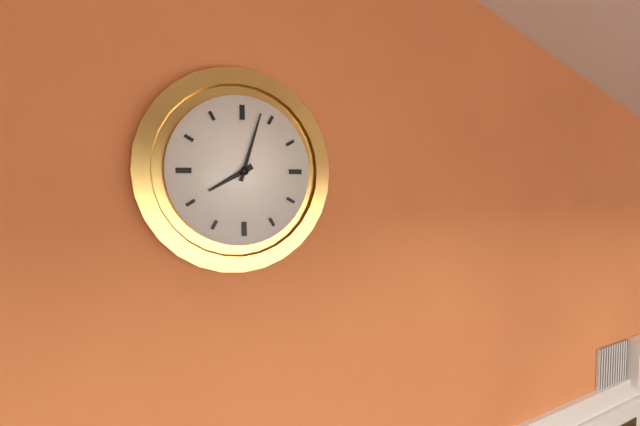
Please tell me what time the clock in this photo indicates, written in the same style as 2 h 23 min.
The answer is 8 h 03 min
